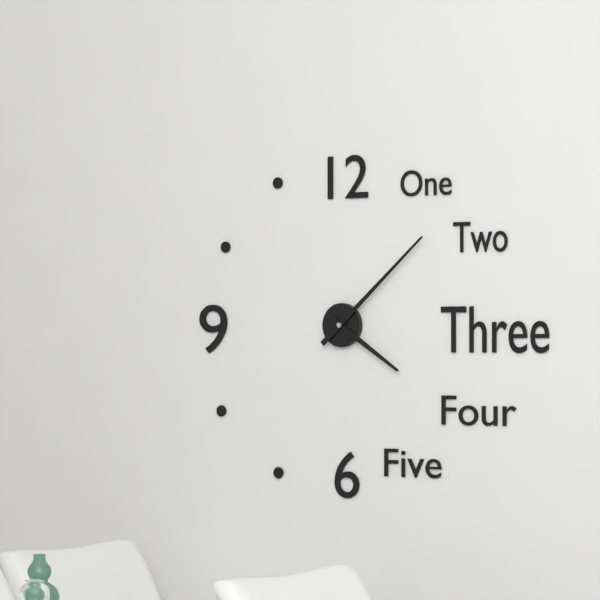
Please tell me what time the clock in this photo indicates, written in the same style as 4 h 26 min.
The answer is 4 h 08 min
